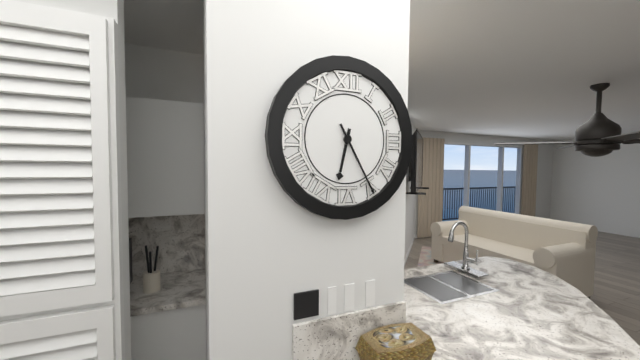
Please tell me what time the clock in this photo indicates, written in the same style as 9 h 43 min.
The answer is 6 h 25 min
